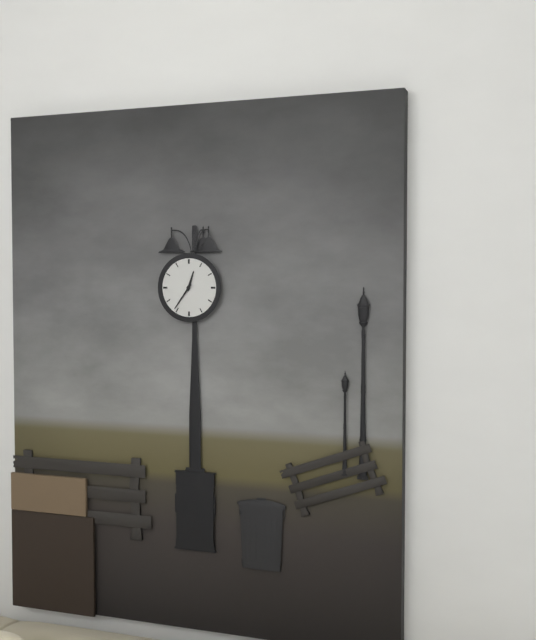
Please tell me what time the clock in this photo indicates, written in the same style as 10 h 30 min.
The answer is 12 h 36 min
